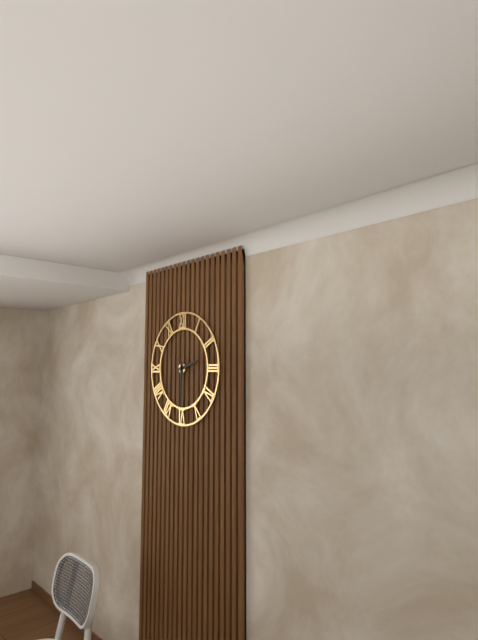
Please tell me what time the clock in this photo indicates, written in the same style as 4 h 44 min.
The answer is 2 h 30 min
